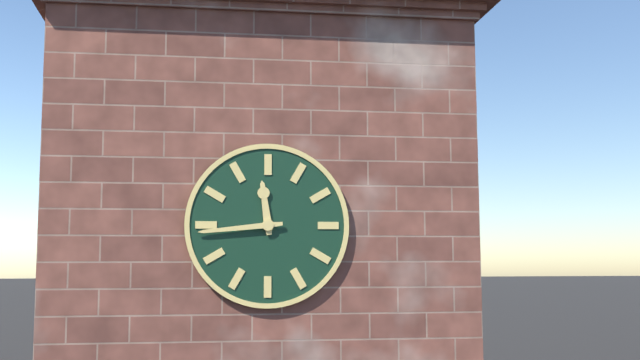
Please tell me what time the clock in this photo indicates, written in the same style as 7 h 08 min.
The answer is 11 h 44 min
